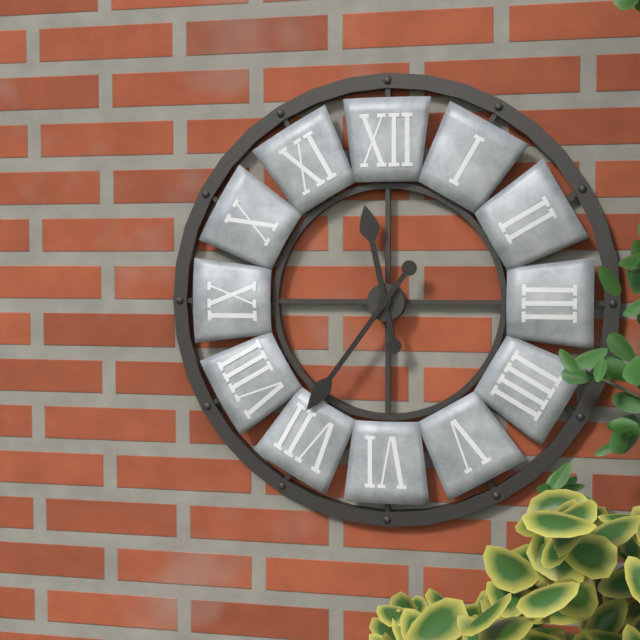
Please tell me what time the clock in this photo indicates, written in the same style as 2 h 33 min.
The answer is 11 h 36 min
